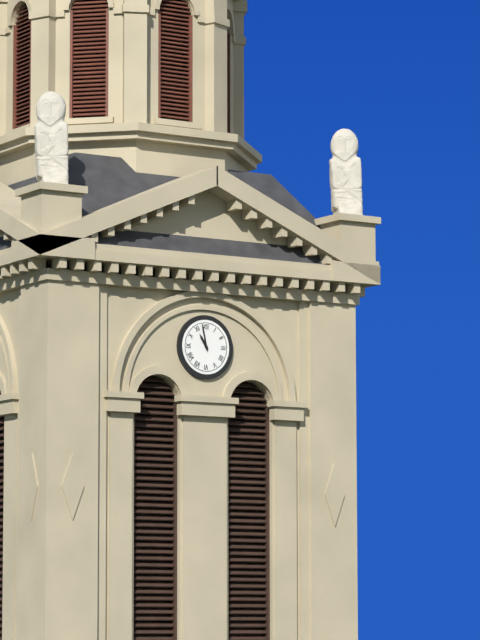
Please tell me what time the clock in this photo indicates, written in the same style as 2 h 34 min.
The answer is 10 h 58 min
